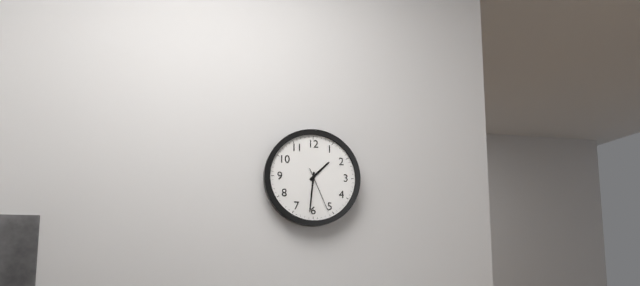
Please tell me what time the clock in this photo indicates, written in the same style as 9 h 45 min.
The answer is 1 h 31 min
